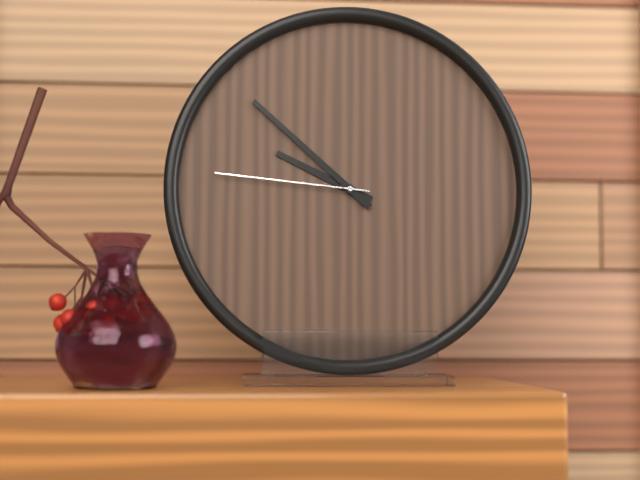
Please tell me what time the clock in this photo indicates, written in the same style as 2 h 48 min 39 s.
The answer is 9 h 52 min 46 s
